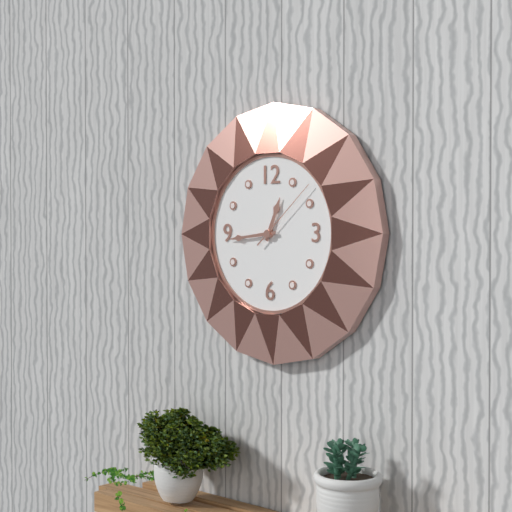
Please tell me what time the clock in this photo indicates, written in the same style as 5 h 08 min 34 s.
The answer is 12 h 44 min 08 s
